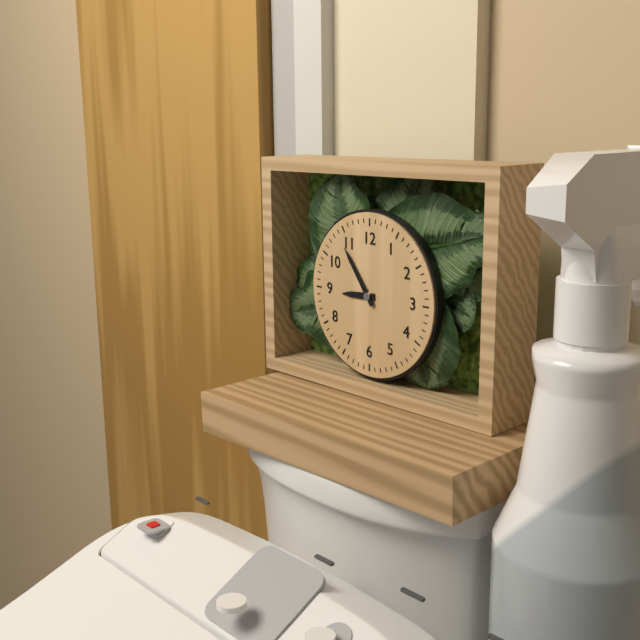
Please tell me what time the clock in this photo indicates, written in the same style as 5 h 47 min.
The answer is 8 h 54 min
